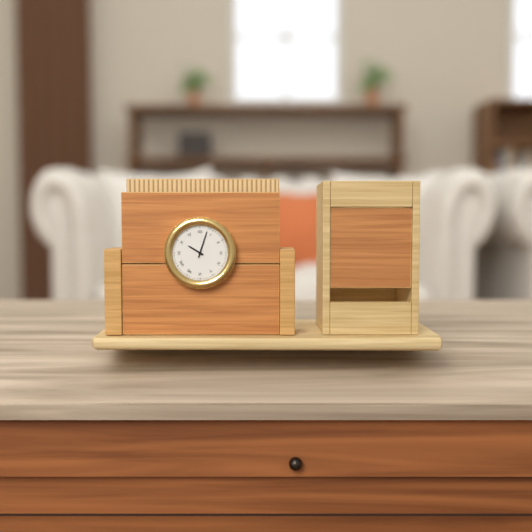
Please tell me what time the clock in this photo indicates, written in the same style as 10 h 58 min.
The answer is 10 h 03 min
